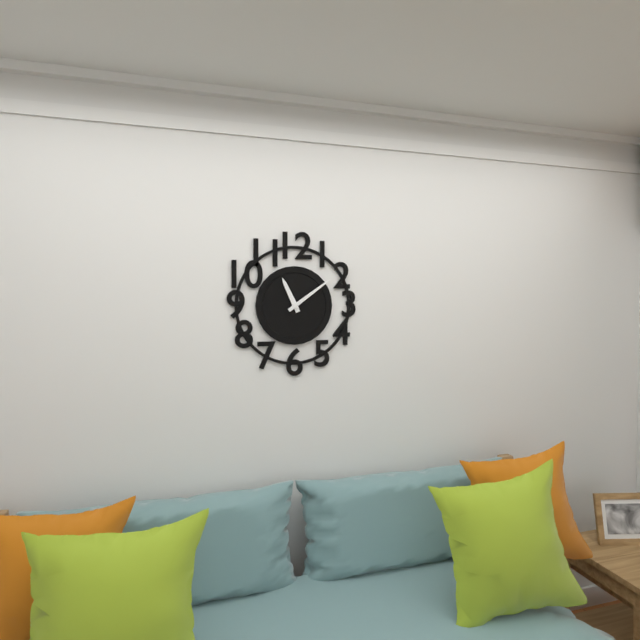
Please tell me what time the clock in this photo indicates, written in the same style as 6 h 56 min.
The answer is 11 h 09 min
